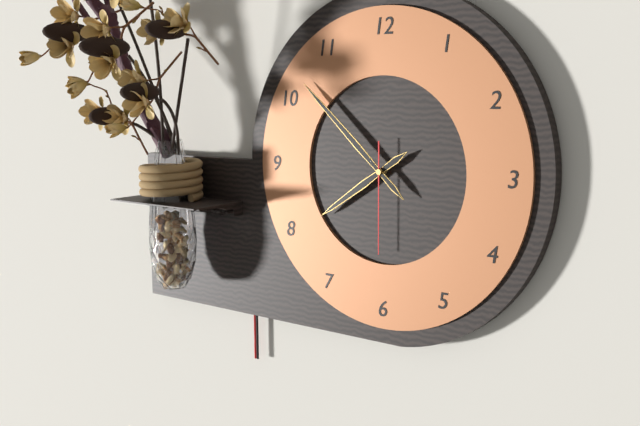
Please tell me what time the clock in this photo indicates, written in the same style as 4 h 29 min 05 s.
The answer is 7 h 52 min 30 s
